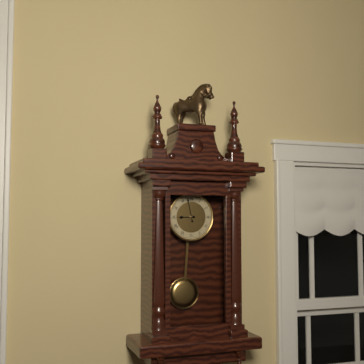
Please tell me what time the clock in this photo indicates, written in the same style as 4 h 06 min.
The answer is 8 h 58 min
